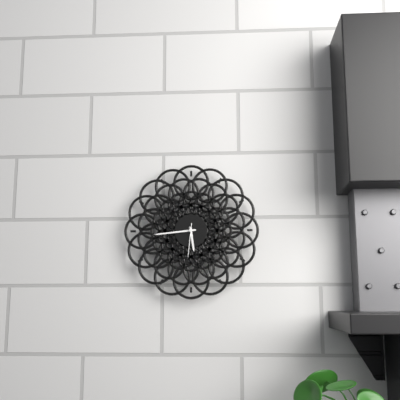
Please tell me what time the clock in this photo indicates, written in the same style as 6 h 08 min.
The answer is 5 h 44 min
